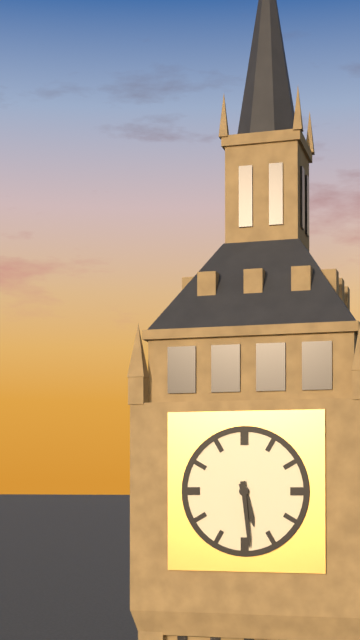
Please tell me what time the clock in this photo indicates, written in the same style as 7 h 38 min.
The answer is 5 h 29 min
